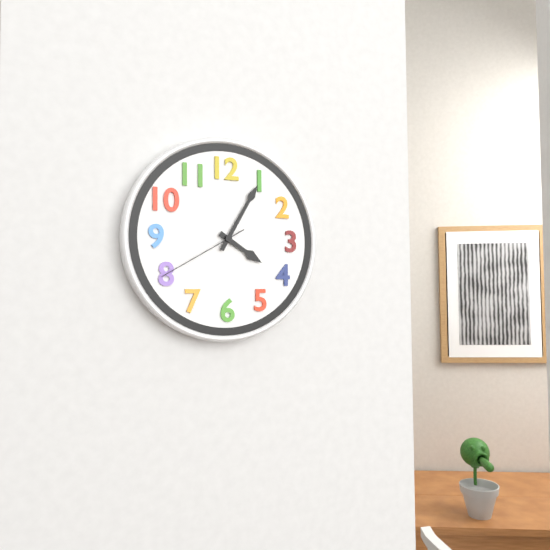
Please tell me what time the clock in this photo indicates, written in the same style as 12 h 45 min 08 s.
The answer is 4 h 05 min 40 s
